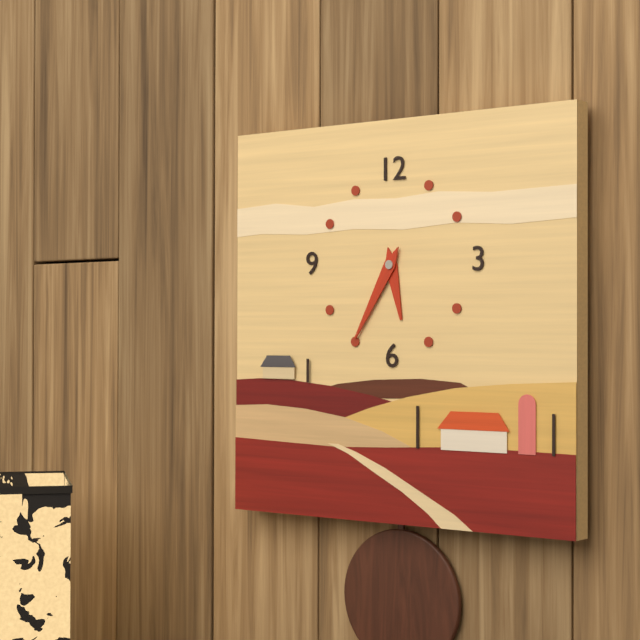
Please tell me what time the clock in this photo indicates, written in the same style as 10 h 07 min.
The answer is 5 h 35 min
